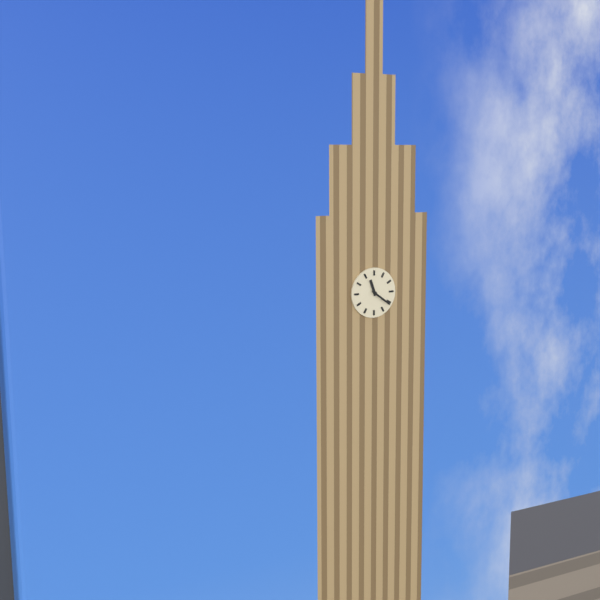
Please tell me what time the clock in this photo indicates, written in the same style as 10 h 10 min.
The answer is 11 h 21 min
